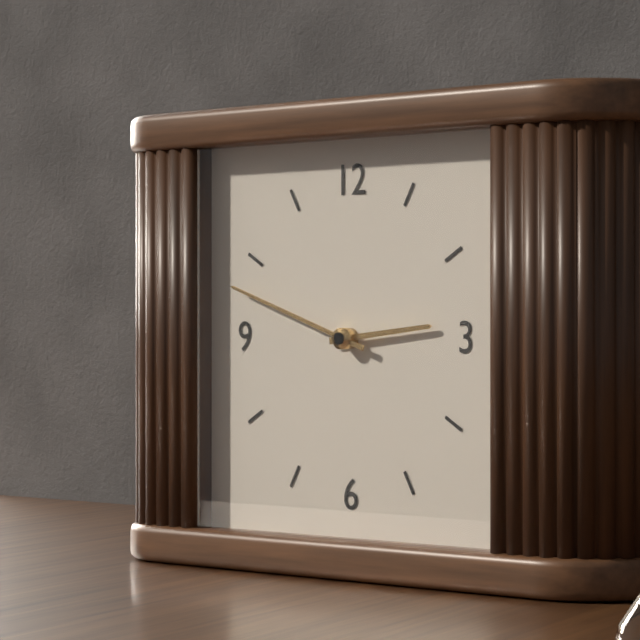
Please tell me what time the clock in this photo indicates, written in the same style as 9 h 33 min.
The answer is 2 h 48 min
